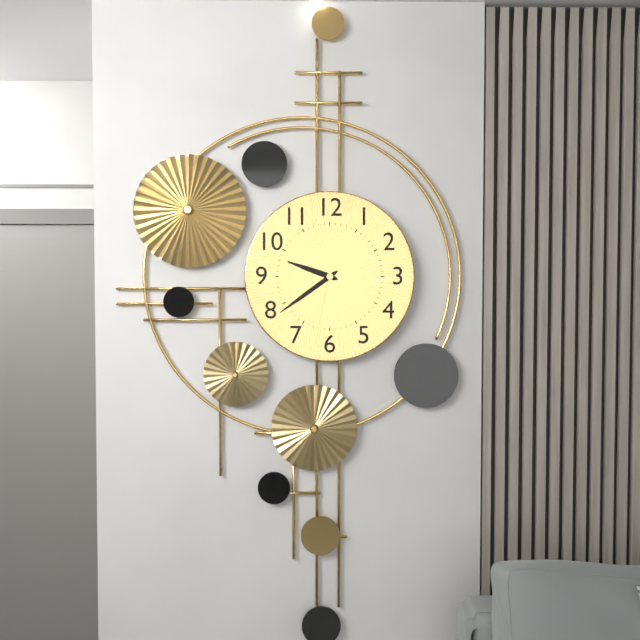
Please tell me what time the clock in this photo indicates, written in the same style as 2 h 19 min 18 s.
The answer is 9 h 39 min 32 s
